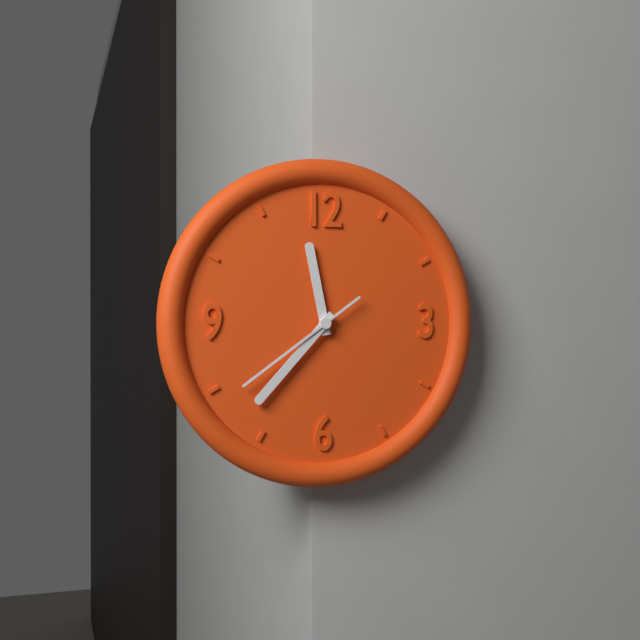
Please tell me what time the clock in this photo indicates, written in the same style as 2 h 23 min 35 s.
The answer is 11 h 37 min 39 s
